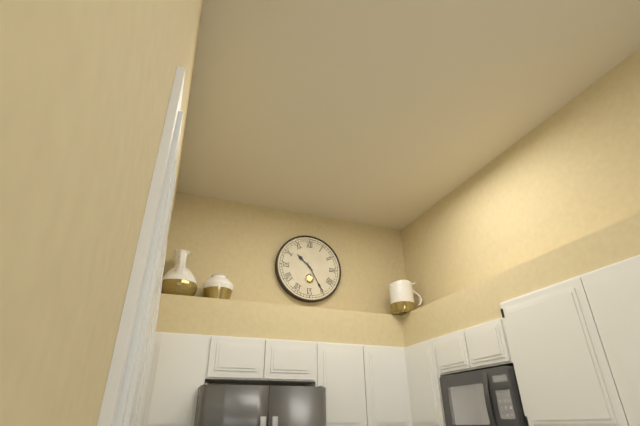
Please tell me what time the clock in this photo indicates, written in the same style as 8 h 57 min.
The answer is 10 h 25 min
